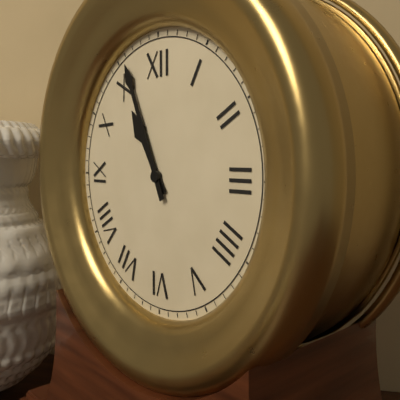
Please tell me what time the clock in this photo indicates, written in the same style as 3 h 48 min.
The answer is 10 h 56 min
